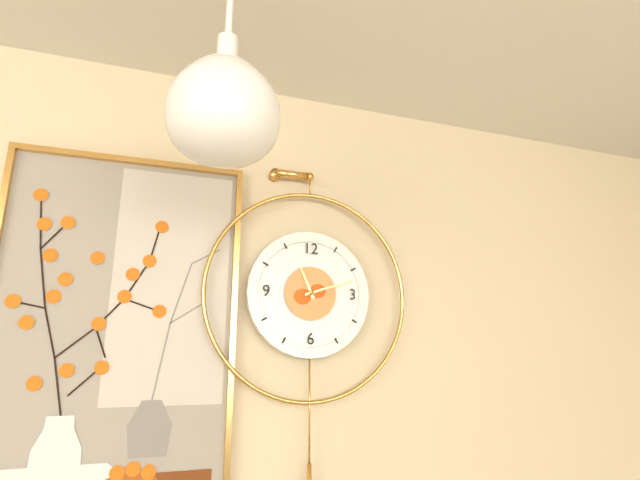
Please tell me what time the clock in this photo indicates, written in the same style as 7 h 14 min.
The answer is 11 h 12 min
